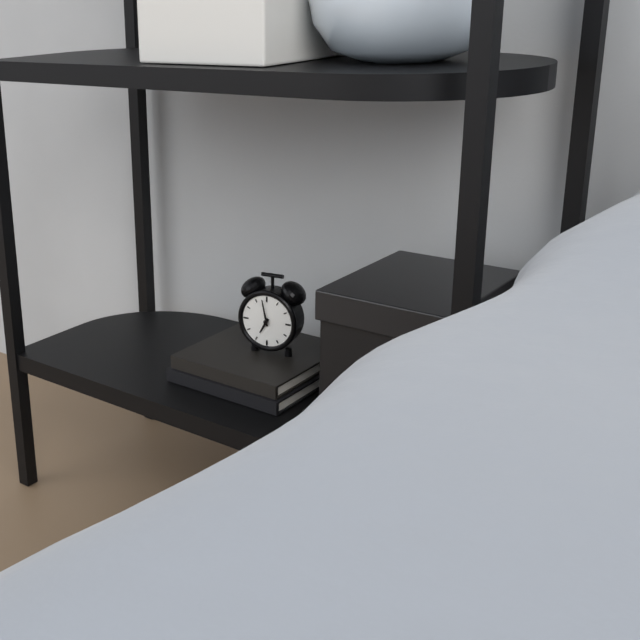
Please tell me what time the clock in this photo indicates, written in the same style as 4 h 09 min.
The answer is 6 h 58 min
